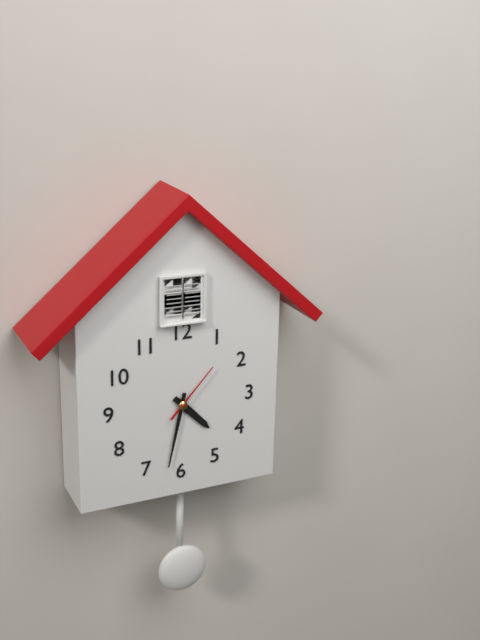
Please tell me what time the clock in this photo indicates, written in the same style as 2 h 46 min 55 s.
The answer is 4 h 32 min 07 s
